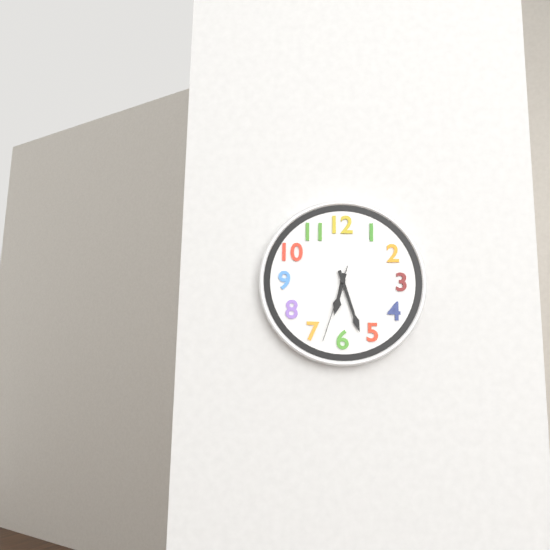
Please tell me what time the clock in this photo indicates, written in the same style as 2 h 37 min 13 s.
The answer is 6 h 27 min 33 s
